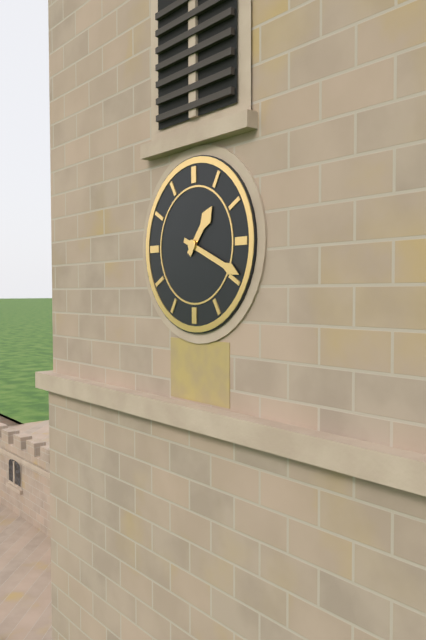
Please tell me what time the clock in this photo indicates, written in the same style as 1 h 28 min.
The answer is 1 h 19 min
